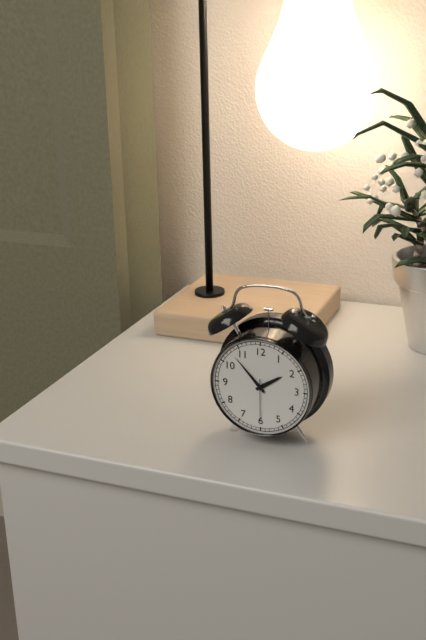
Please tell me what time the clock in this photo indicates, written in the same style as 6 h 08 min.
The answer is 1 h 53 min
